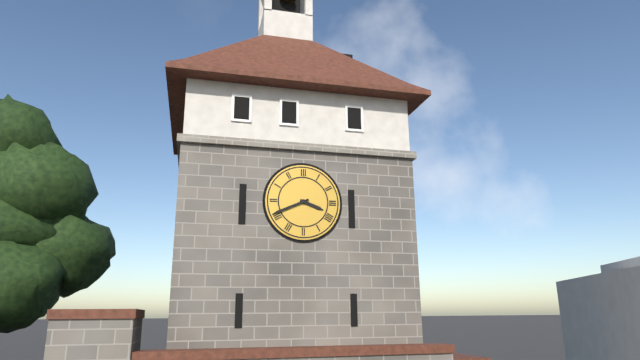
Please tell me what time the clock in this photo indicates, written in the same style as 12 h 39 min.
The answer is 3 h 41 min
